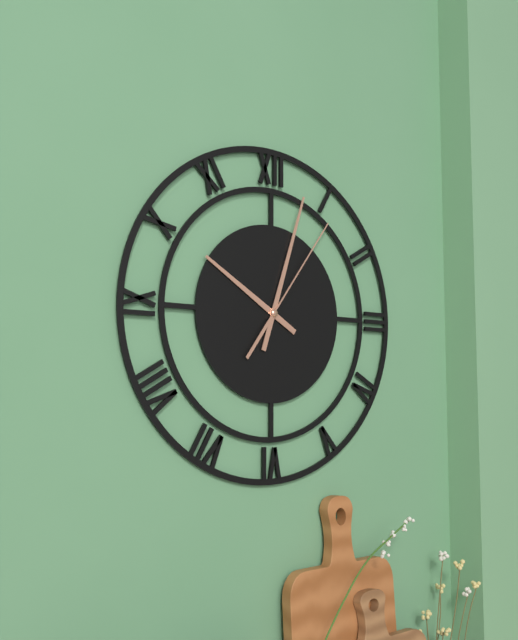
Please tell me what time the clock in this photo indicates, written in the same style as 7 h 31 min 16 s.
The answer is 10 h 03 min 06 s
